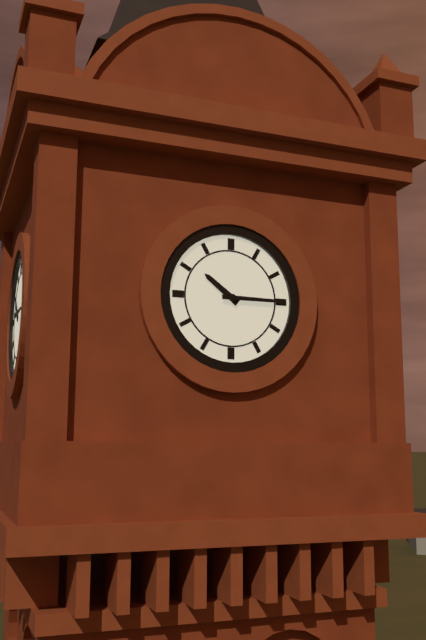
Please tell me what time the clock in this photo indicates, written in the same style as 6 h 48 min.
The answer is 10 h 15 min
